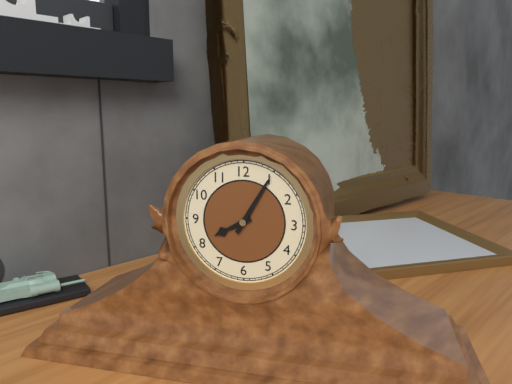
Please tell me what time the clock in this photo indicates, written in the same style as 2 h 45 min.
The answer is 8 h 05 min
